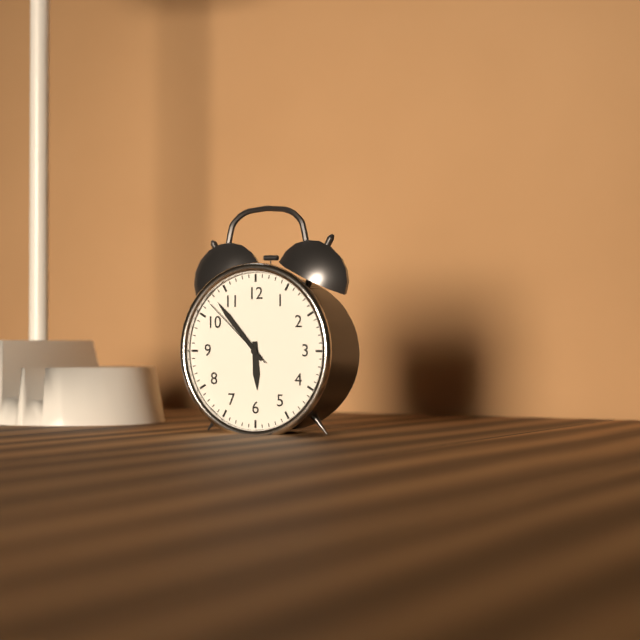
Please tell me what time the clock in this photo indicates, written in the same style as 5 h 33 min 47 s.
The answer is 5 h 53 min 52 s
